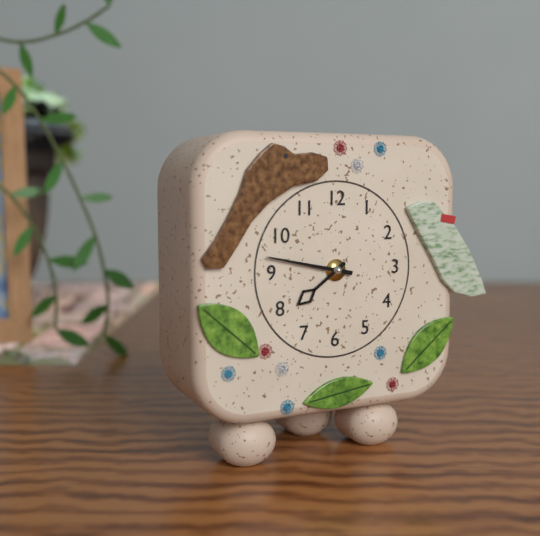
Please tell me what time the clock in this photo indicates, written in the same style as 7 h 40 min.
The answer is 7 h 47 min
